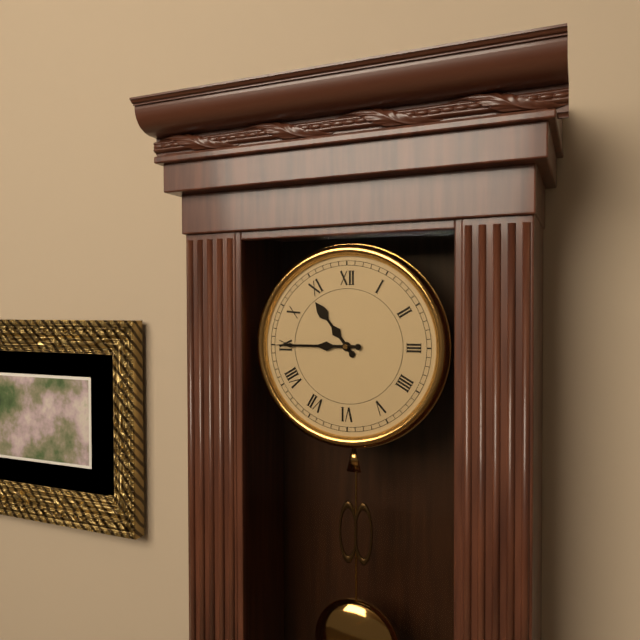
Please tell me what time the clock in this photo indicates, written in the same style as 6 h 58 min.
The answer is 10 h 45 min
